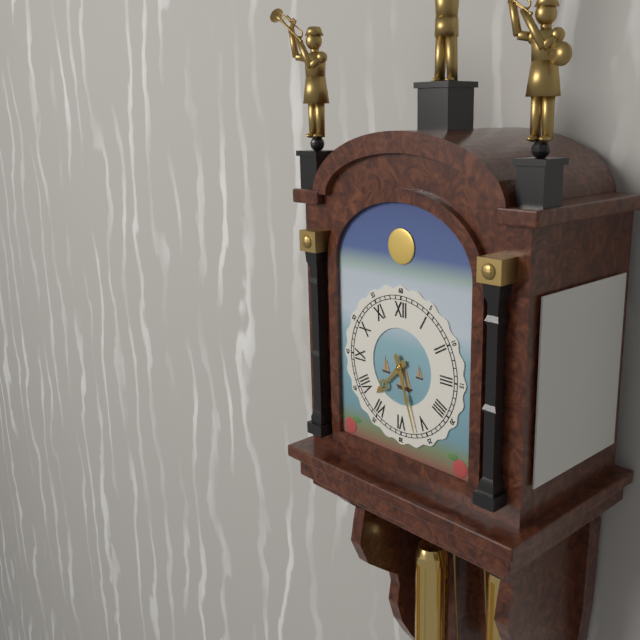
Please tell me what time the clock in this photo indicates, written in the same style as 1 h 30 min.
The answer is 7 h 27 min
